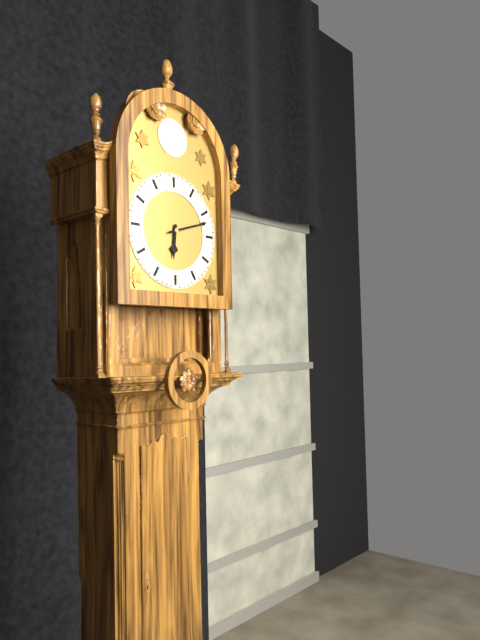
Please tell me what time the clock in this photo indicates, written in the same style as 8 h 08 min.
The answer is 6 h 12 min
